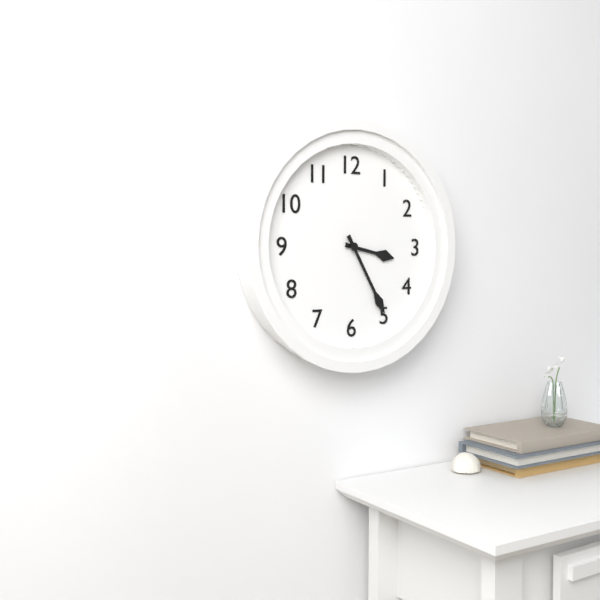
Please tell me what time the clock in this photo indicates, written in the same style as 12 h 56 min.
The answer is 3 h 25 min
